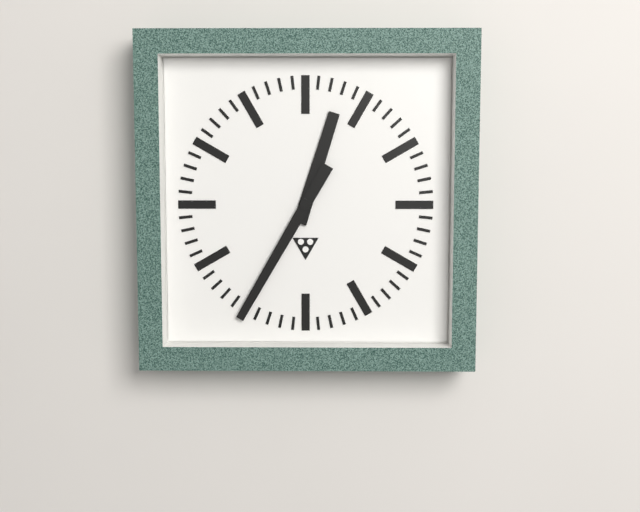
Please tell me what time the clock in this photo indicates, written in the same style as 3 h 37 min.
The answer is 12 h 35 min
